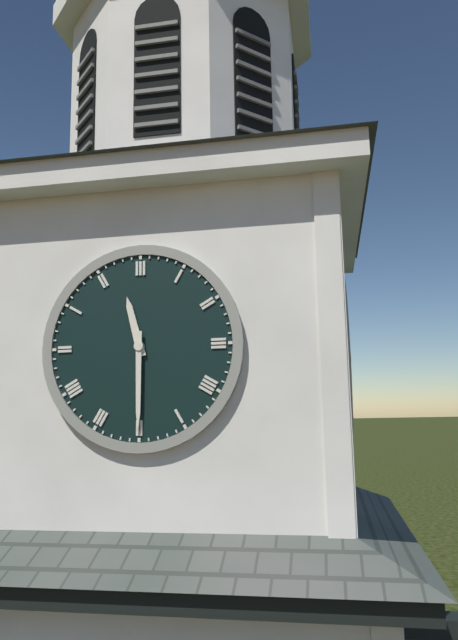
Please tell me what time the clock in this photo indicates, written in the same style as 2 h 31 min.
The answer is 11 h 30 min
